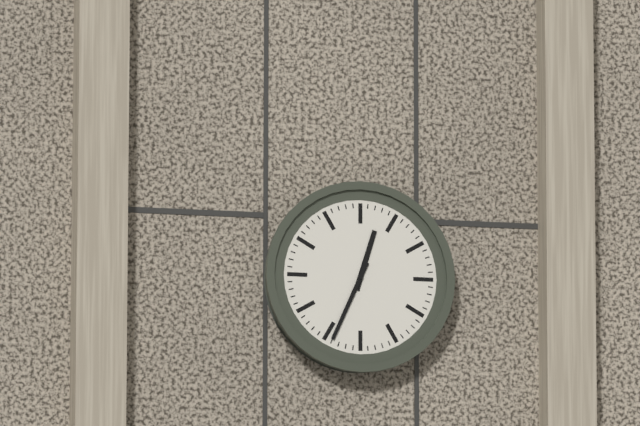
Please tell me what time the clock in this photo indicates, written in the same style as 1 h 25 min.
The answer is 12 h 34 min
